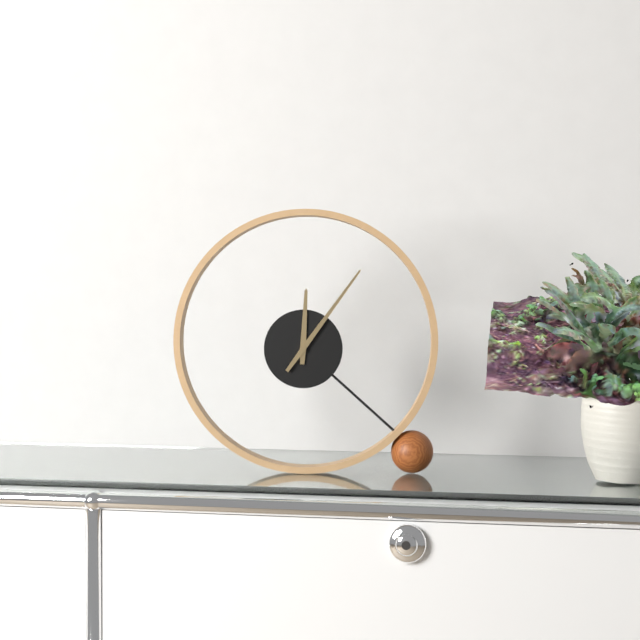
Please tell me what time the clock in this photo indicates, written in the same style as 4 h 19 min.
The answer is 12 h 06 min
